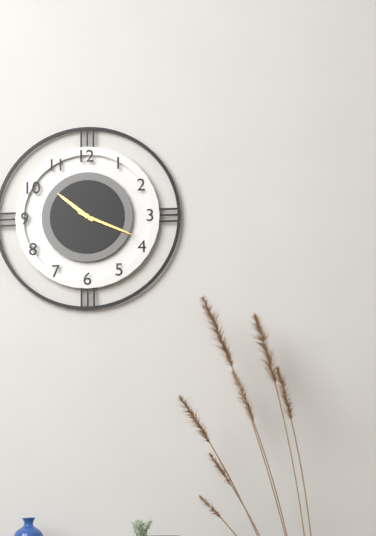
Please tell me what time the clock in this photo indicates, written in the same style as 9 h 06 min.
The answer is 10 h 19 min
